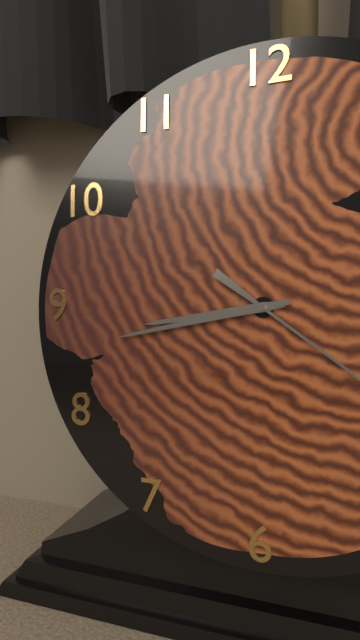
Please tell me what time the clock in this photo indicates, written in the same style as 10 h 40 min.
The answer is 8 h 43 min
